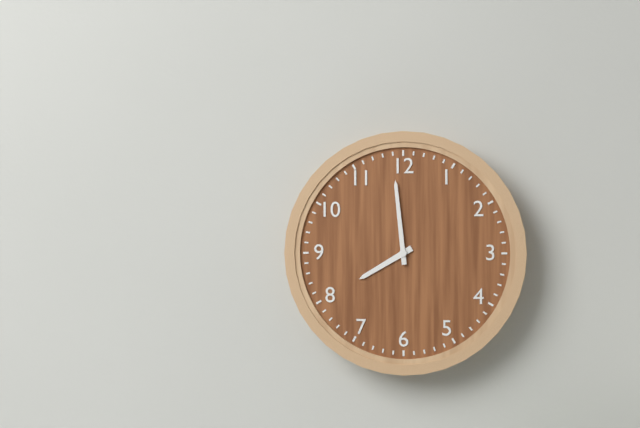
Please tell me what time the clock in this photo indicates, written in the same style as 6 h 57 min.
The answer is 7 h 59 min
